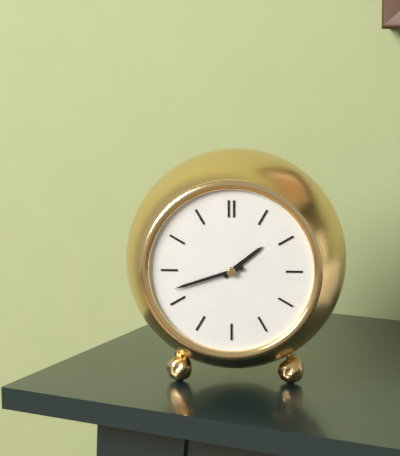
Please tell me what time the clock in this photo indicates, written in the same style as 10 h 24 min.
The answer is 1 h 42 min
